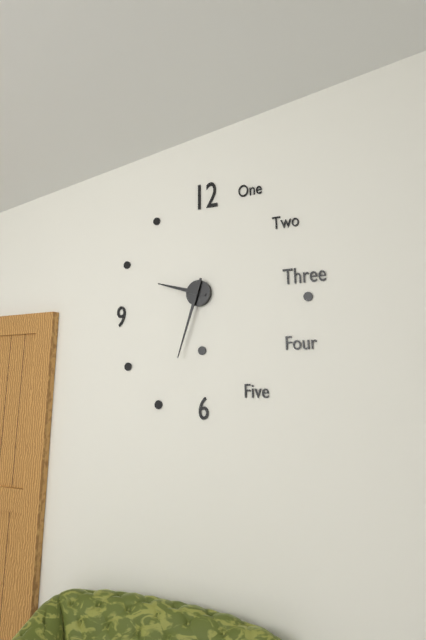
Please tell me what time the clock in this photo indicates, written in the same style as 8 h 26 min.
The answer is 9 h 33 min
